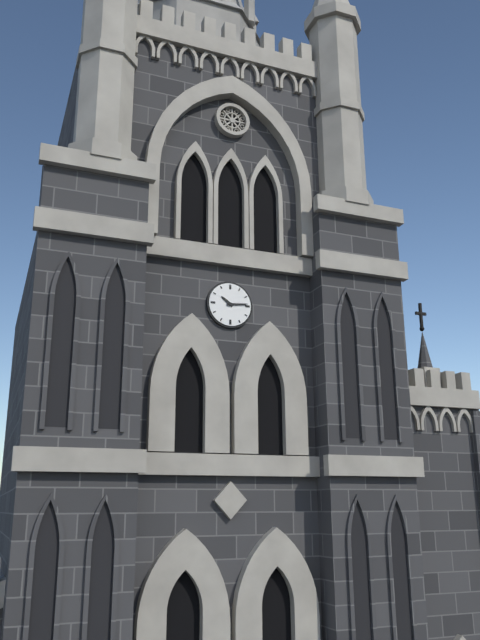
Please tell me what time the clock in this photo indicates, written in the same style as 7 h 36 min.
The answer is 10 h 14 min
